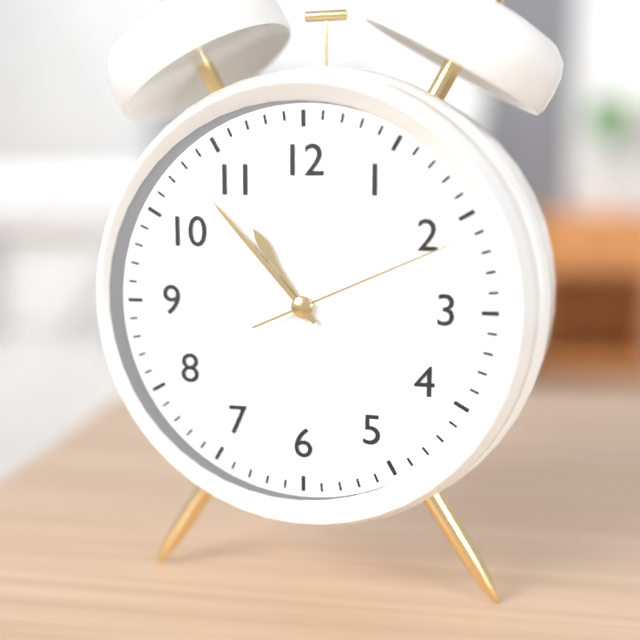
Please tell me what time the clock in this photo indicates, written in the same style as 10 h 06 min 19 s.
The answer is 10 h 53 min 11 s
